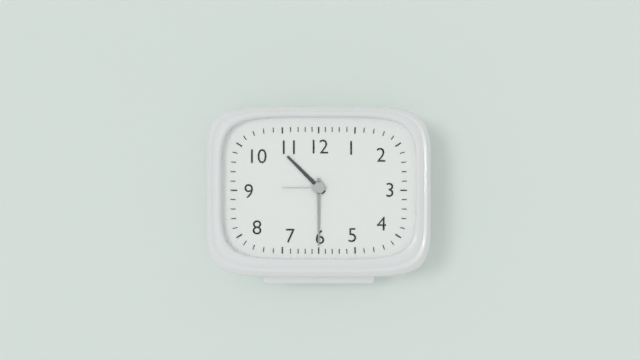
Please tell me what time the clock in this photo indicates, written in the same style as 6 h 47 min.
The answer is 10 h 30 min
